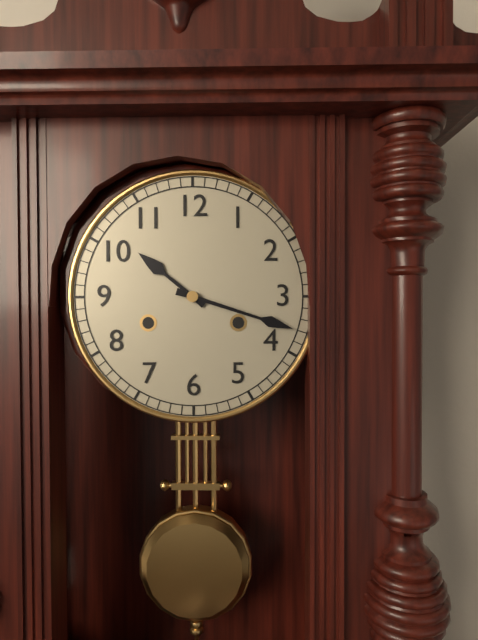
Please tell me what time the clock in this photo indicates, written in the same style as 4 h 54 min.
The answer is 10 h 18 min
